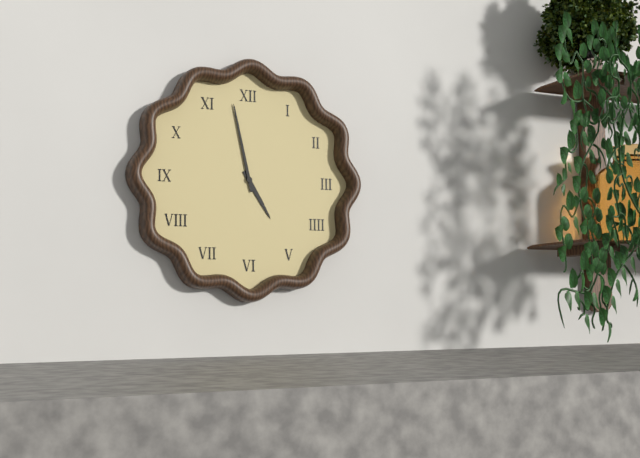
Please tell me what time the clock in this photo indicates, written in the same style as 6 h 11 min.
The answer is 4 h 58 min
